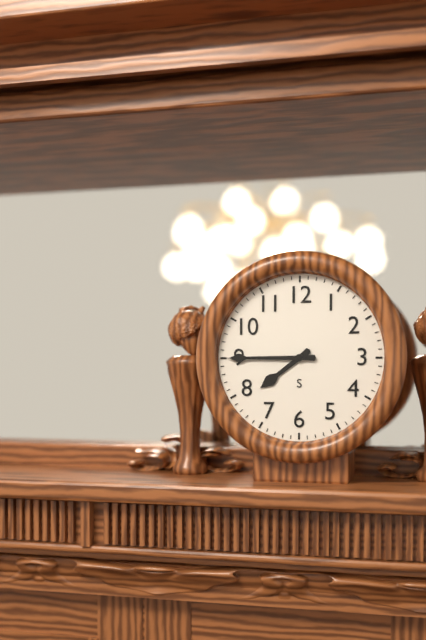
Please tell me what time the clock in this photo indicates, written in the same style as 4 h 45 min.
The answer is 7 h 45 min
